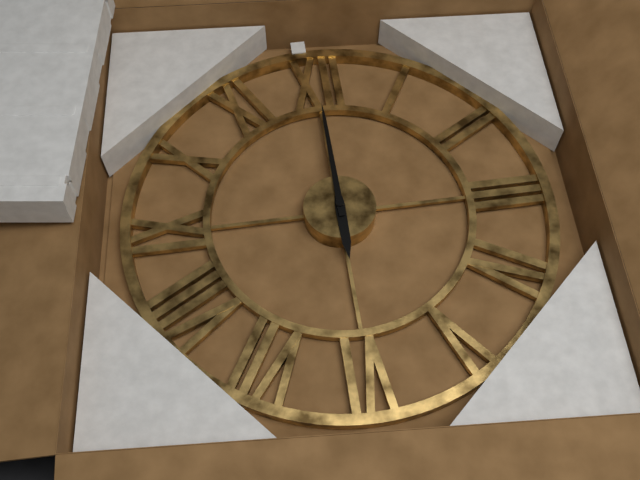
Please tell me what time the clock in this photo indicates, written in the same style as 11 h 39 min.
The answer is 6 h 00 min
